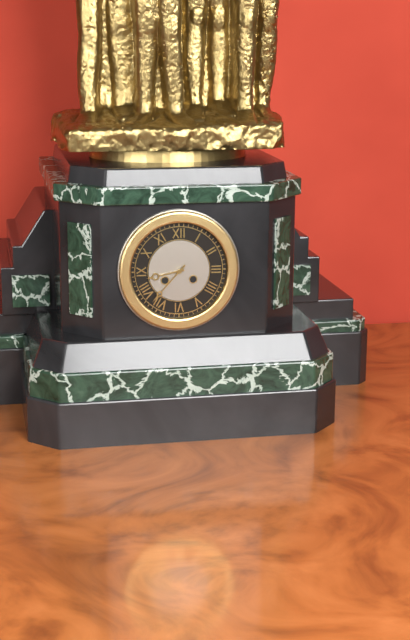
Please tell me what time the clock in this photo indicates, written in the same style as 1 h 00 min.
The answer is 8 h 37 min
